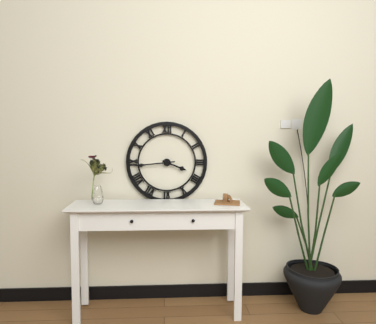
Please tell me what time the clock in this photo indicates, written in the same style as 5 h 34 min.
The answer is 3 h 44 min
